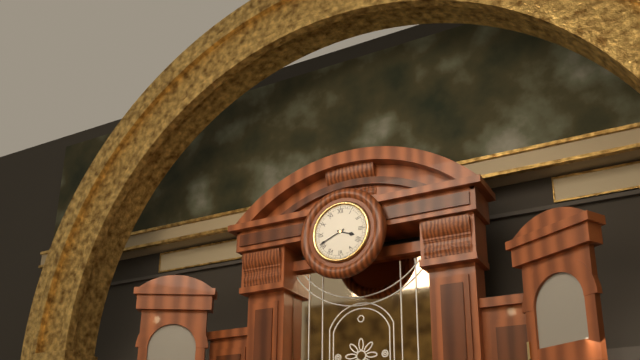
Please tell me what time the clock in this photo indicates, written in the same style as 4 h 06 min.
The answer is 3 h 41 min
